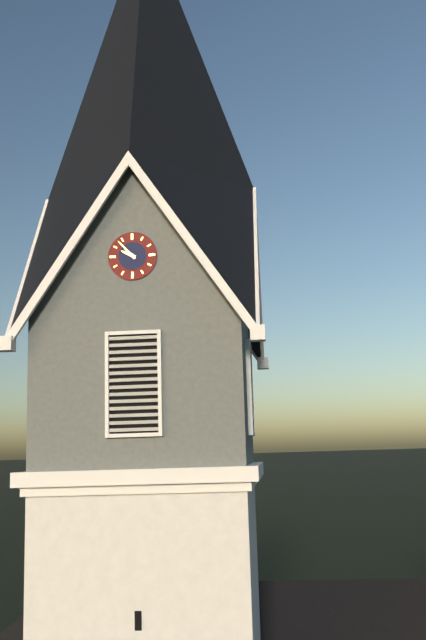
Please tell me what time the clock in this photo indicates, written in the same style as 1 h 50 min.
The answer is 9 h 53 min
